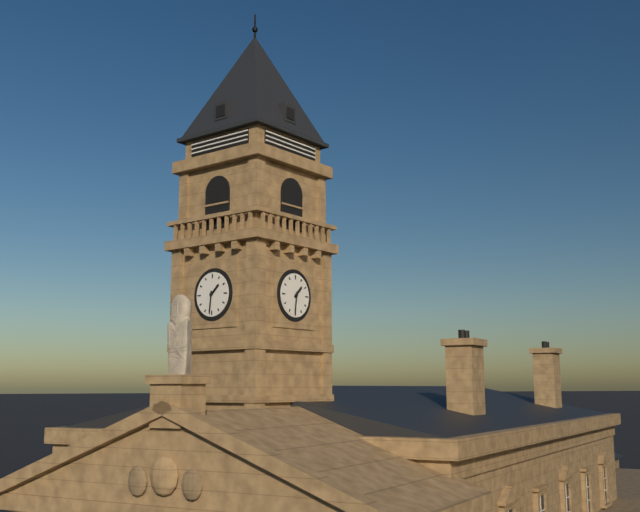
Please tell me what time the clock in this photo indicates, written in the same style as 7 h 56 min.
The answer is 1 h 31 min
